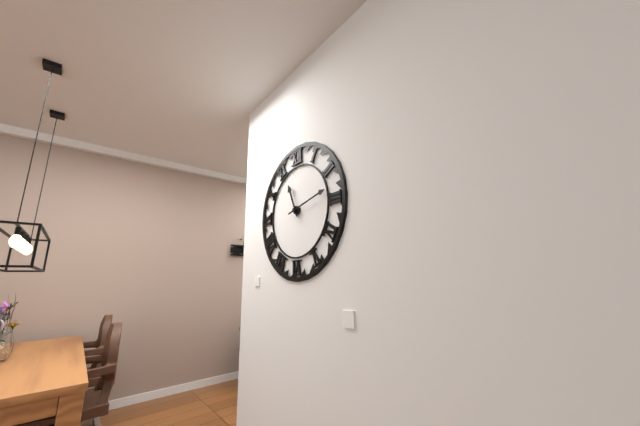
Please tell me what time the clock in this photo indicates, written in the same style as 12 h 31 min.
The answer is 11 h 13 min
